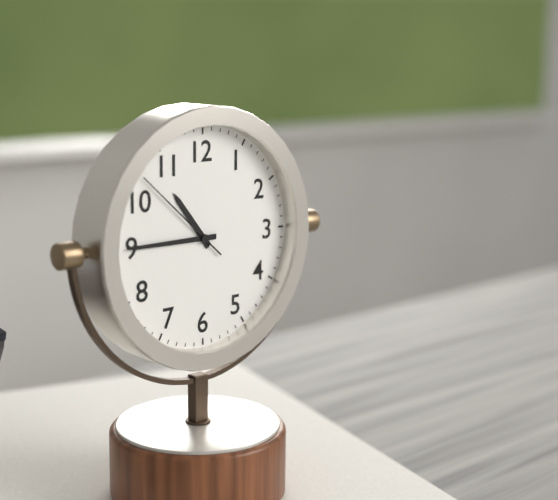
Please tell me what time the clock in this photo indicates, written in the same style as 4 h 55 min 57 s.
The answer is 10 h 45 min 52 s
